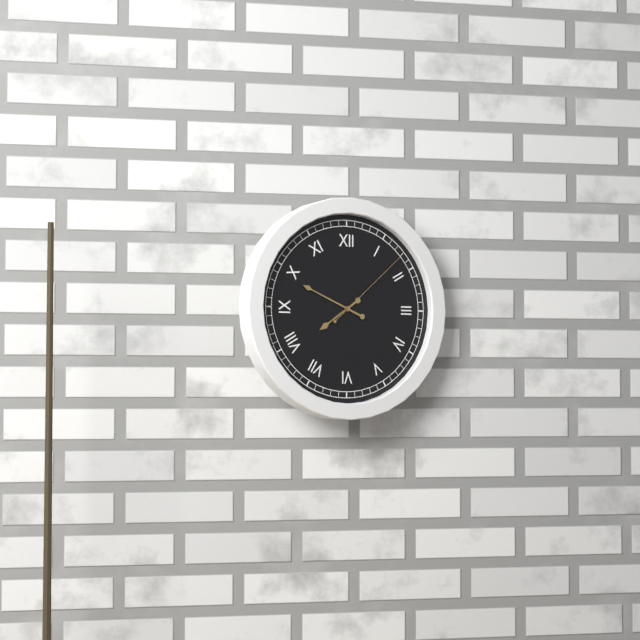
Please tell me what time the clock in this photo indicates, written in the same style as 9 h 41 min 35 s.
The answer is 7 h 49 min 08 s
